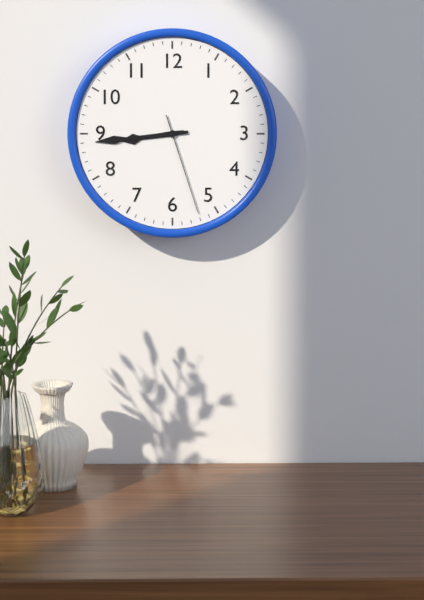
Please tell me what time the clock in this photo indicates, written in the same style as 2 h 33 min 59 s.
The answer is 8 h 44 min 27 s
